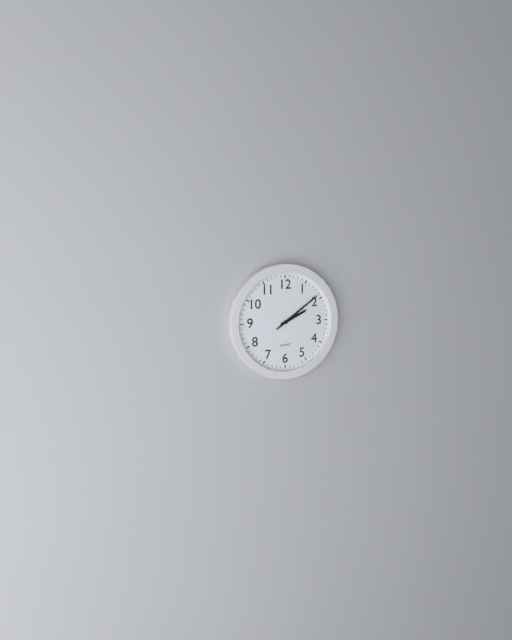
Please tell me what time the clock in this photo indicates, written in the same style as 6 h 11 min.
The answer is 2 h 09 min
